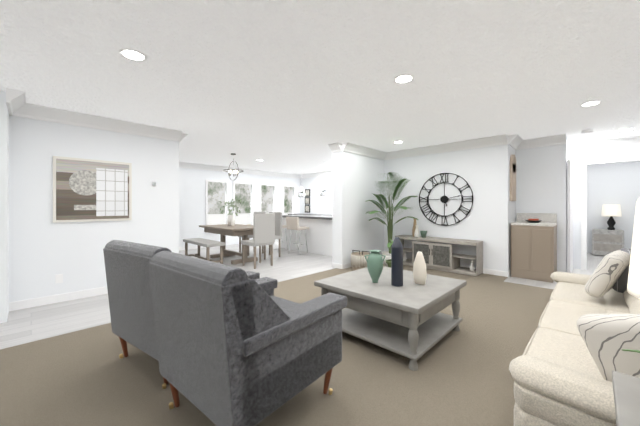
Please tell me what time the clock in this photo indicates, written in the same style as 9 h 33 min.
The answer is 5 h 13 min
